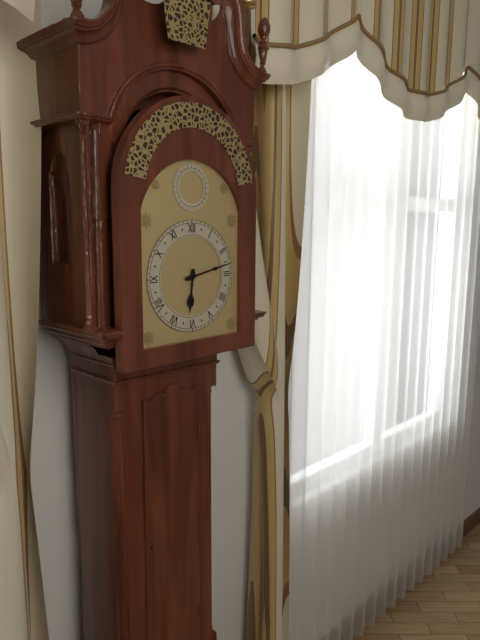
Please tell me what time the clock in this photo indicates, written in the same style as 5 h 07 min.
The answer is 6 h 13 min
